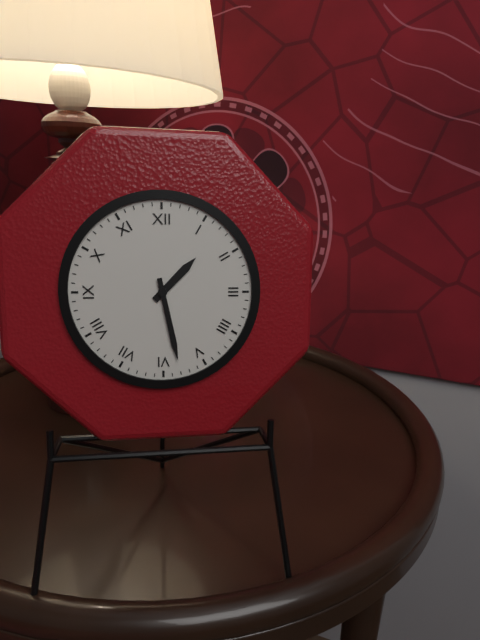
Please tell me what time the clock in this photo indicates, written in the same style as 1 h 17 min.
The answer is 1 h 28 min
